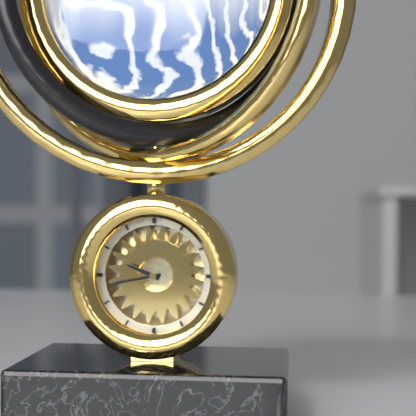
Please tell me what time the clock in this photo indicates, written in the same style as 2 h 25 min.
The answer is 9 h 43 min
